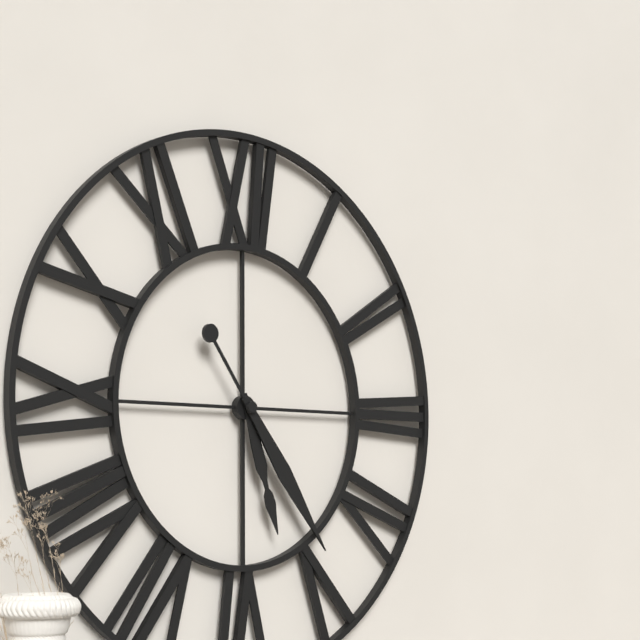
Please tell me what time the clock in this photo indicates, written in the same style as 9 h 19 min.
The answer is 5 h 24 min
